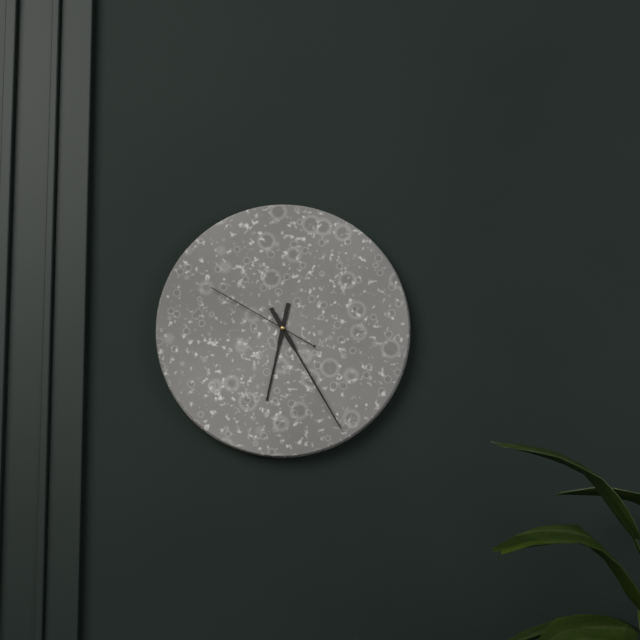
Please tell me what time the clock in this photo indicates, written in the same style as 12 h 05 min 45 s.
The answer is 6 h 25 min 50 s
